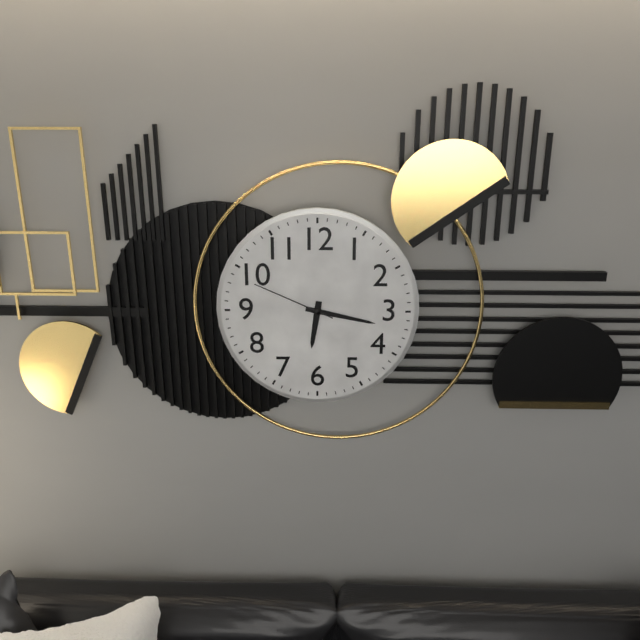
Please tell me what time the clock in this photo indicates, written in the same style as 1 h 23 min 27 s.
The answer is 6 h 17 min 49 s
